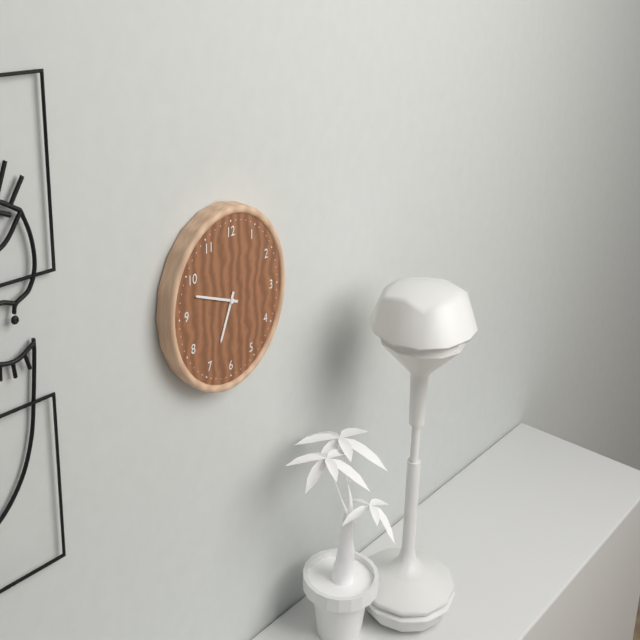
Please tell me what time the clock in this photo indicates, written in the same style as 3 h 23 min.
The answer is 6 h 48 min
